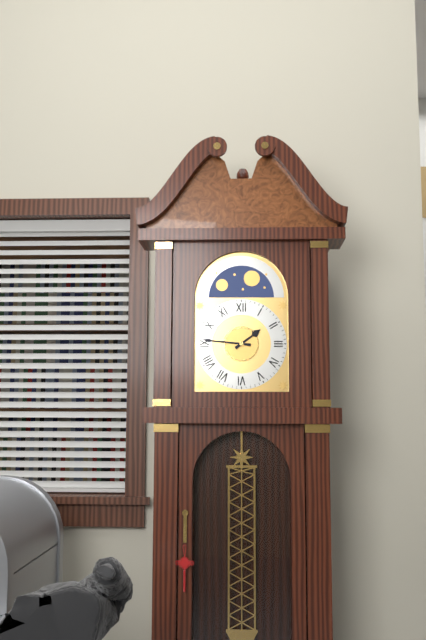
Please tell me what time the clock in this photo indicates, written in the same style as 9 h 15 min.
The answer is 1 h 46 min
